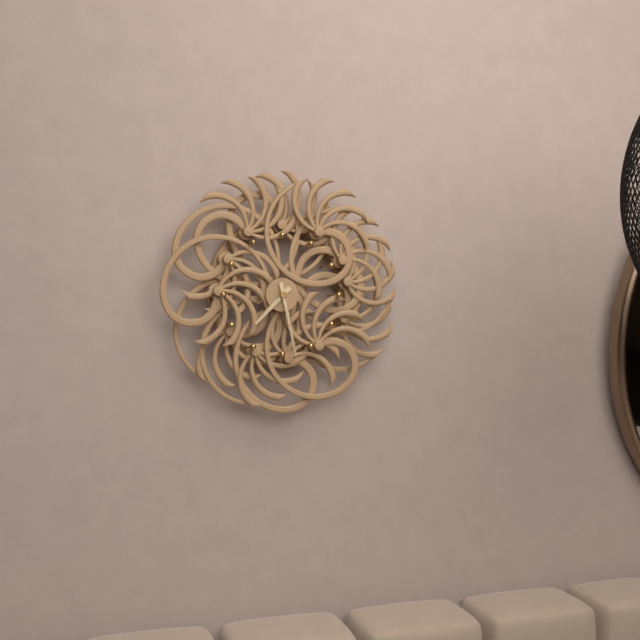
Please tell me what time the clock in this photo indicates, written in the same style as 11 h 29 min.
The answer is 7 h 28 min
